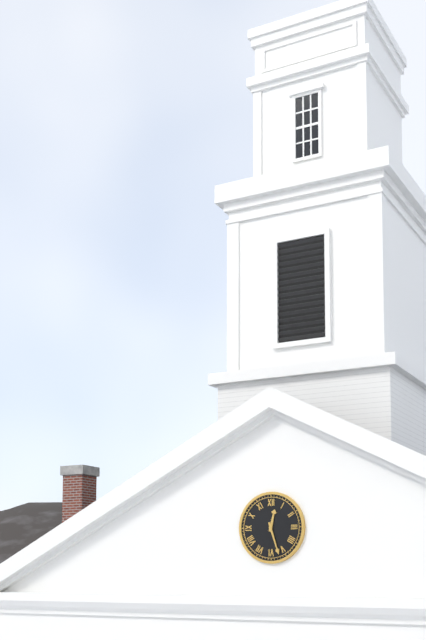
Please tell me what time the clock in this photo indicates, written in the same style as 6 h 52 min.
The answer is 12 h 27 min
